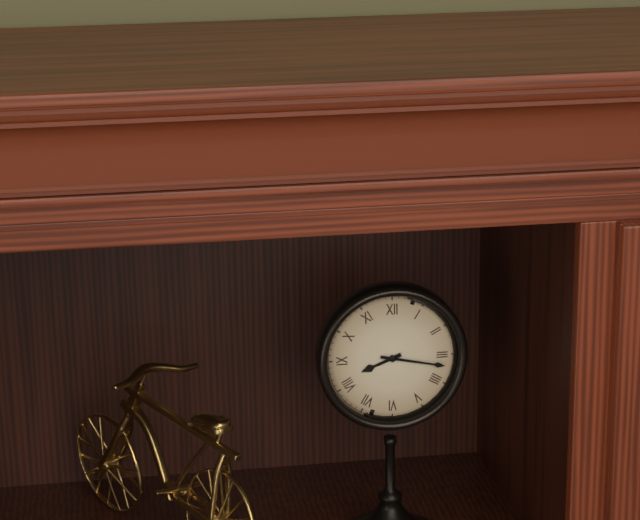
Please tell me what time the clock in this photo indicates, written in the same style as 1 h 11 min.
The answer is 8 h 17 min
